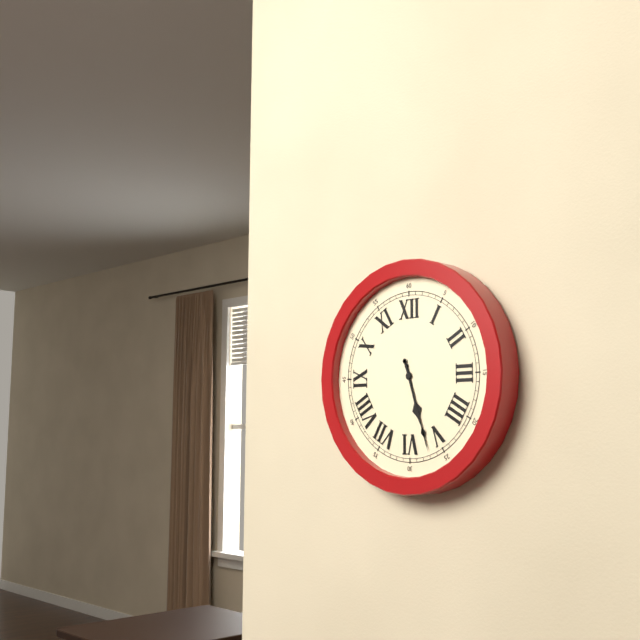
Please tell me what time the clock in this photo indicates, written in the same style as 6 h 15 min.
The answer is 5 h 27 min
